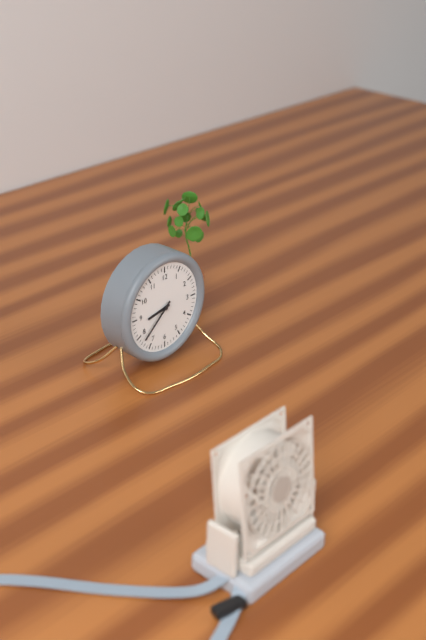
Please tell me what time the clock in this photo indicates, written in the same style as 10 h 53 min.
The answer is 8 h 38 min
